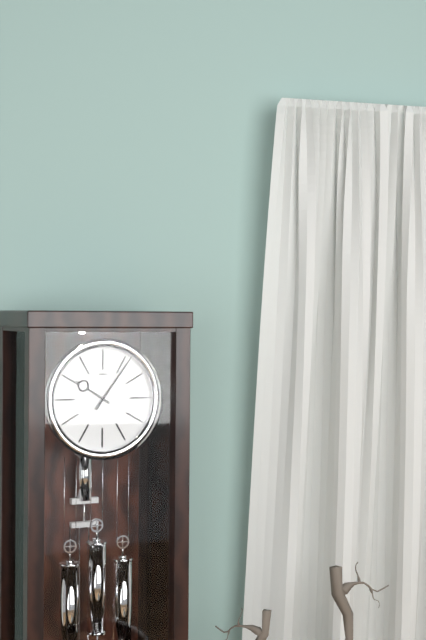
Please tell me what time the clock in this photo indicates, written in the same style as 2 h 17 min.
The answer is 10 h 06 min
